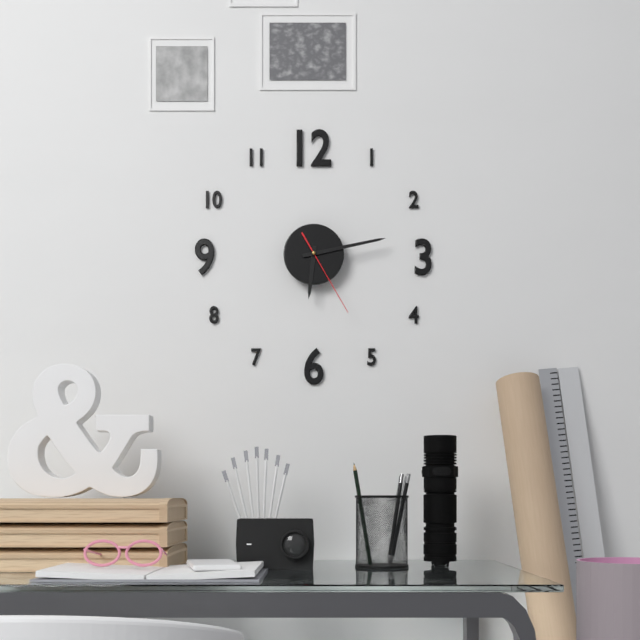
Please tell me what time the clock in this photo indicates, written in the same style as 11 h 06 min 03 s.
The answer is 6 h 13 min 25 s
